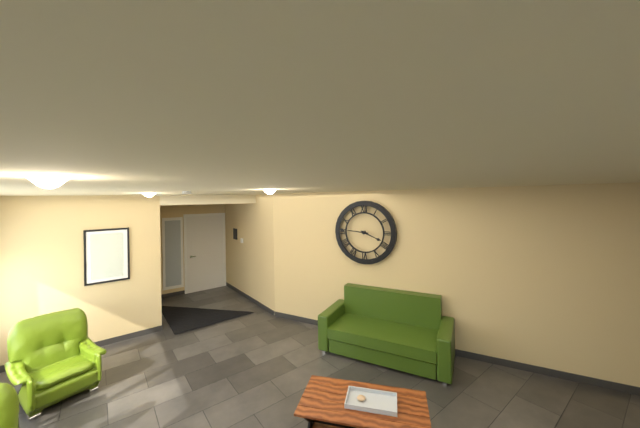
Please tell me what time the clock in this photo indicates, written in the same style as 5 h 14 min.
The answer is 3 h 46 min
